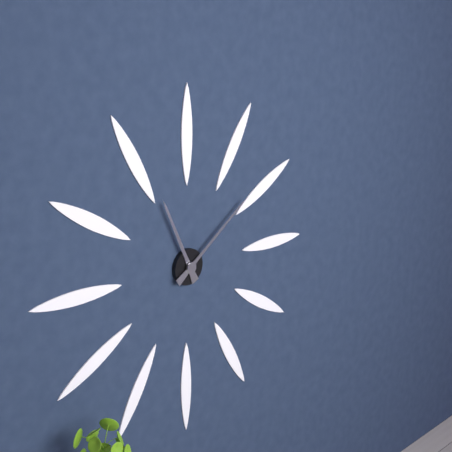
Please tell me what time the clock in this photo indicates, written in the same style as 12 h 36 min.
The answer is 11 h 09 min
